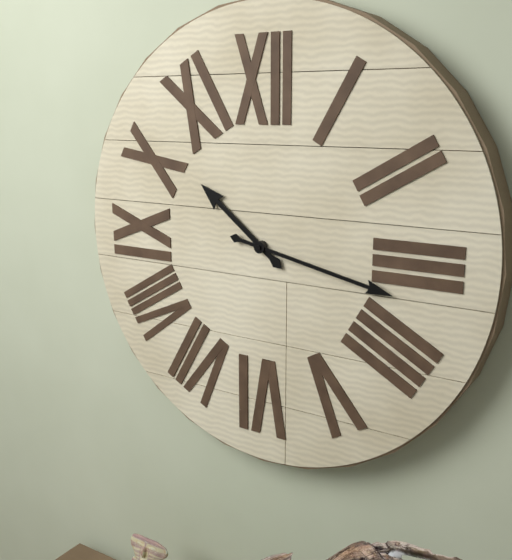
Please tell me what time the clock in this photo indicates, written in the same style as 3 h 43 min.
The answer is 10 h 17 min
